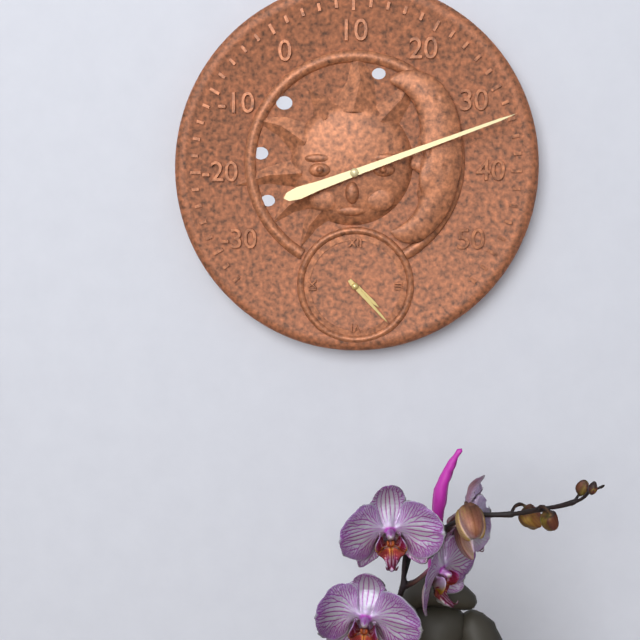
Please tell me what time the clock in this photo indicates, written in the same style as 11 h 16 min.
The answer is 4 h 23 min
